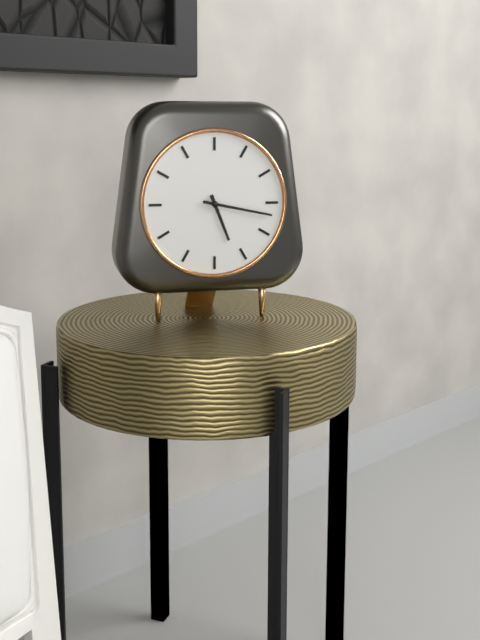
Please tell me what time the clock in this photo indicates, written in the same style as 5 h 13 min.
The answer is 5 h 17 min
